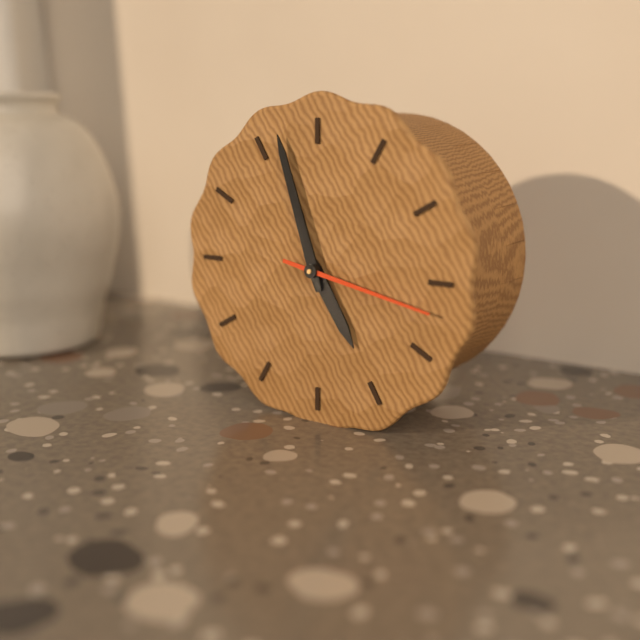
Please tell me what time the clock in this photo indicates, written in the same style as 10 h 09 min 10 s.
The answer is 4 h 57 min 17 s
